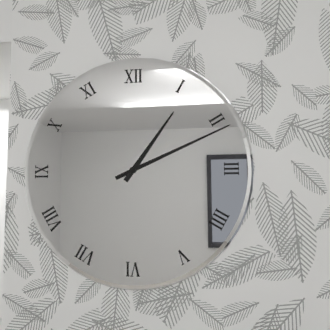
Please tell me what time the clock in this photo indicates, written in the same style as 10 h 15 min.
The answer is 1 h 11 min
